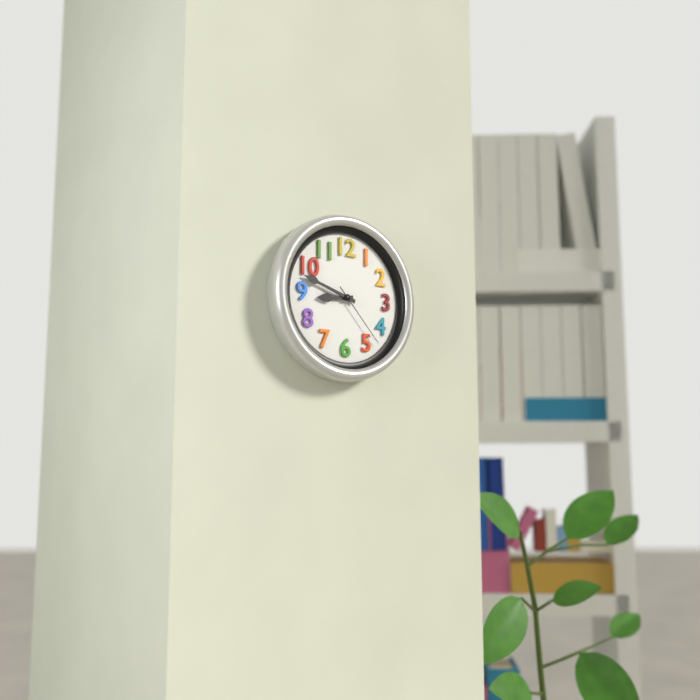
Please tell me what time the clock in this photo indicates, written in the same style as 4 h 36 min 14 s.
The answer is 8 h 48 min 23 s
